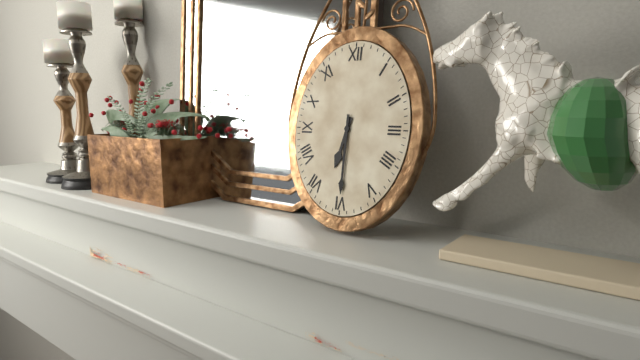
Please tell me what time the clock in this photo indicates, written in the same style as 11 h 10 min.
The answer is 6 h 30 min
